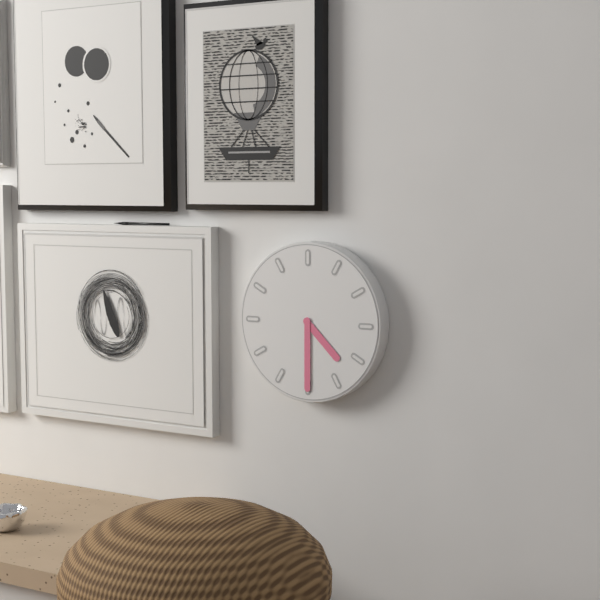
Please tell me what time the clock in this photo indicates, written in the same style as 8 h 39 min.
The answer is 4 h 30 min
